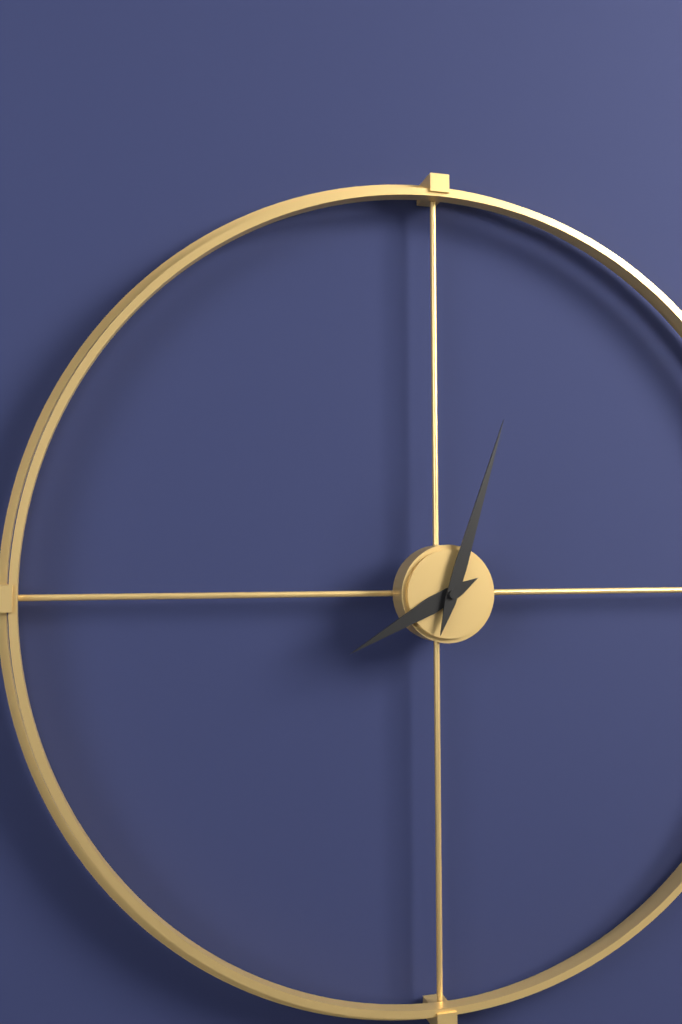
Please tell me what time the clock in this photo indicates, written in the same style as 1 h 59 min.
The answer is 8 h 03 min
